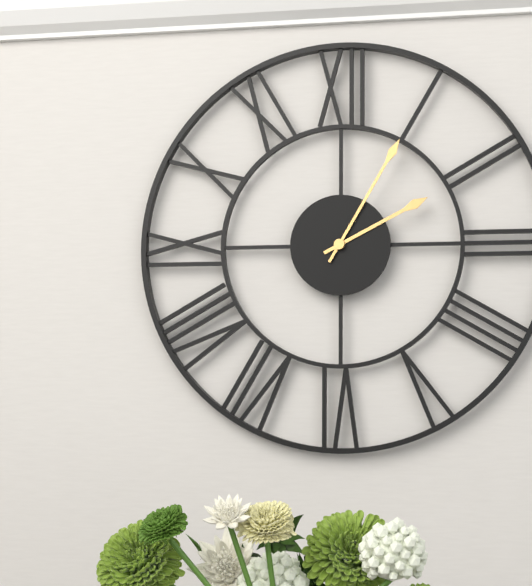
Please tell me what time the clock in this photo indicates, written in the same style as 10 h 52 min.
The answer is 2 h 05 min
